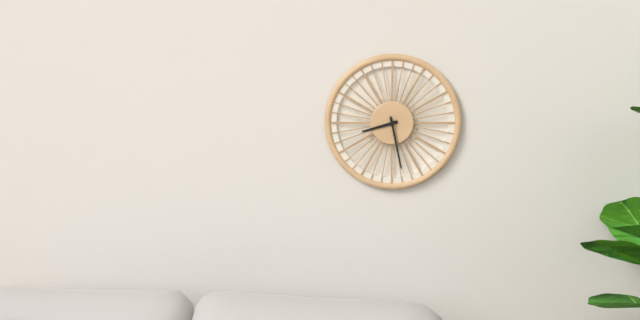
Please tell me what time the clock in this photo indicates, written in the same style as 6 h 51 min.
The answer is 8 h 28 min
